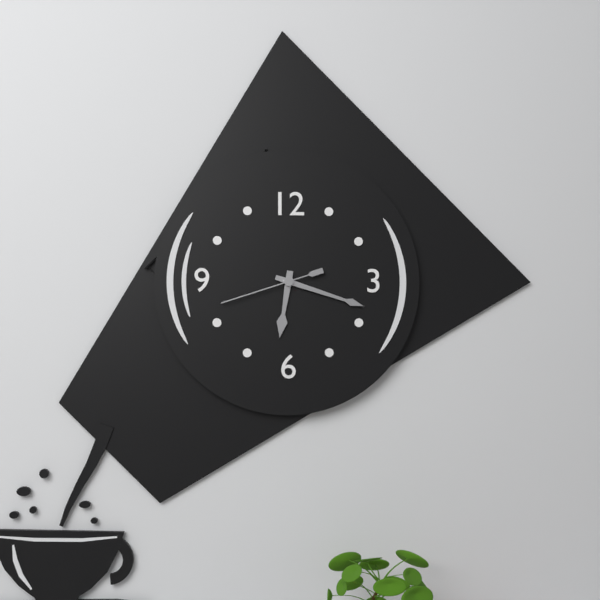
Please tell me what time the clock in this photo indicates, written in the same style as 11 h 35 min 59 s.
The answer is 6 h 18 min 42 s
